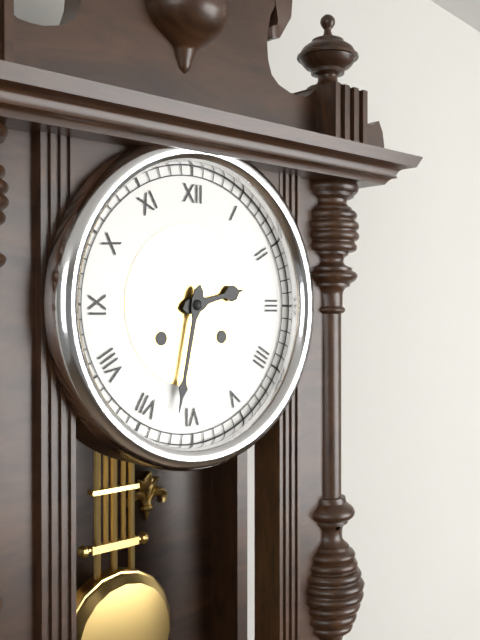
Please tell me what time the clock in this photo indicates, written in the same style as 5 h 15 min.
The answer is 2 h 32 min
